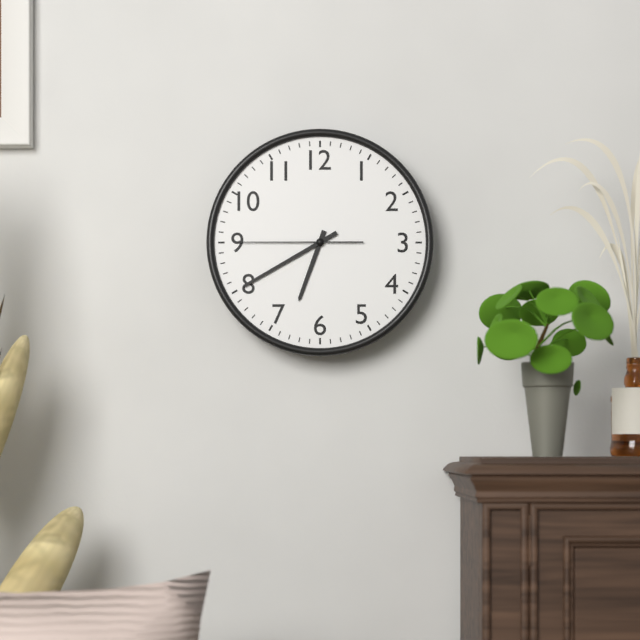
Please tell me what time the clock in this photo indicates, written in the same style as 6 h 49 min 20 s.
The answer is 6 h 40 min 45 s
